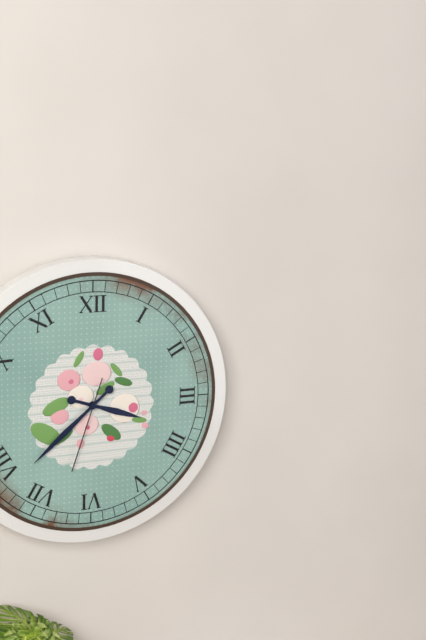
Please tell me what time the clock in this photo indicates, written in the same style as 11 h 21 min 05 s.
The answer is 3 h 38 min 33 s
